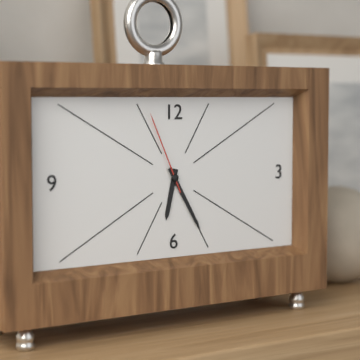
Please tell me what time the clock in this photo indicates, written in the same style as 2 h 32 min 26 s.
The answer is 6 h 25 min 56 s
